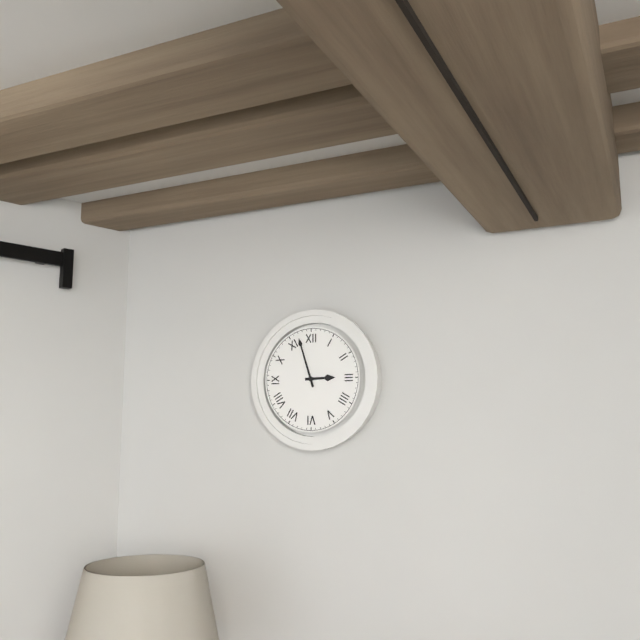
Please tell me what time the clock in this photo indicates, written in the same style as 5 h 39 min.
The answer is 2 h 57 min
